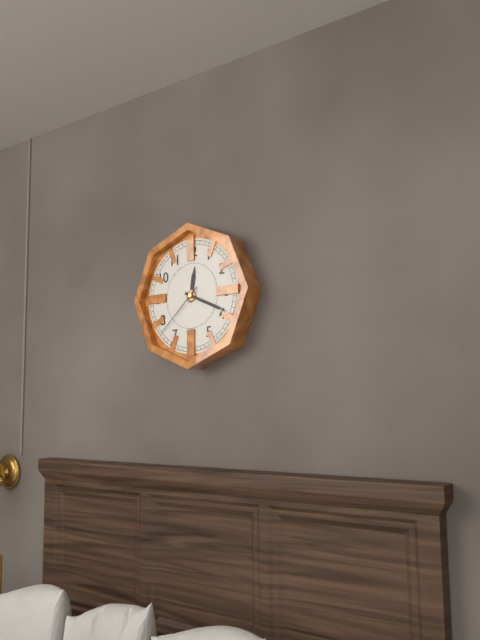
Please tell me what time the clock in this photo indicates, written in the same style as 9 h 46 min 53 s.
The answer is 12 h 19 min 38 s
